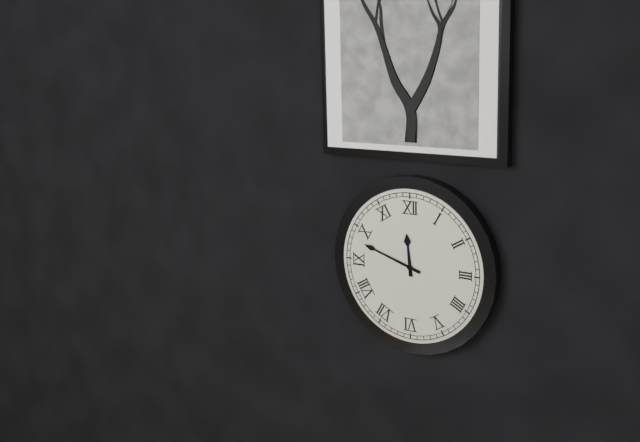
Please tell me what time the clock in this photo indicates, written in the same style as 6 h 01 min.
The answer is 11 h 48 min
